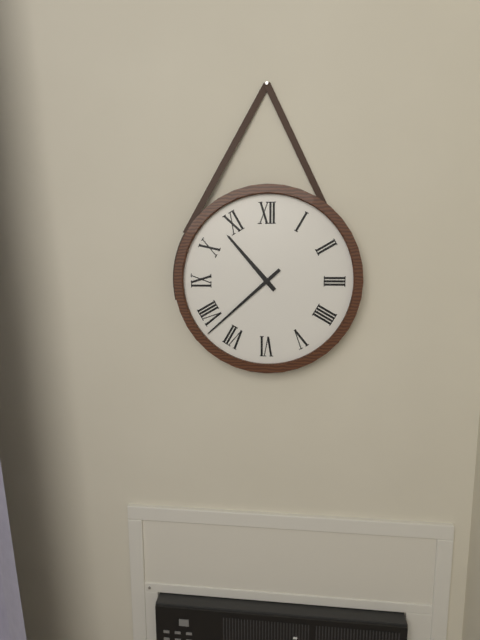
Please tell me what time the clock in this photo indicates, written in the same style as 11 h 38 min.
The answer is 10 h 38 min
